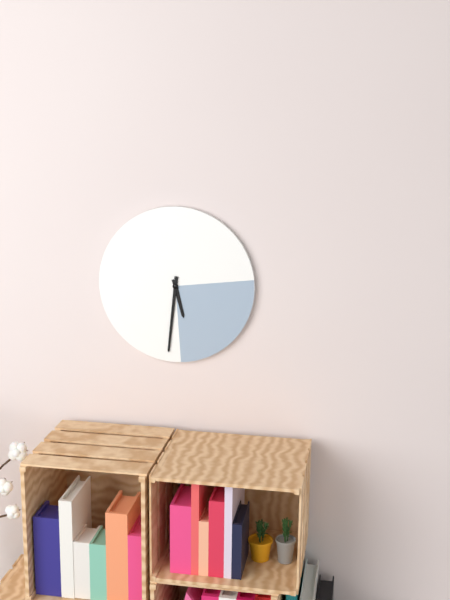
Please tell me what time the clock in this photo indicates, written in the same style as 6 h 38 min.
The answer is 5 h 31 min
